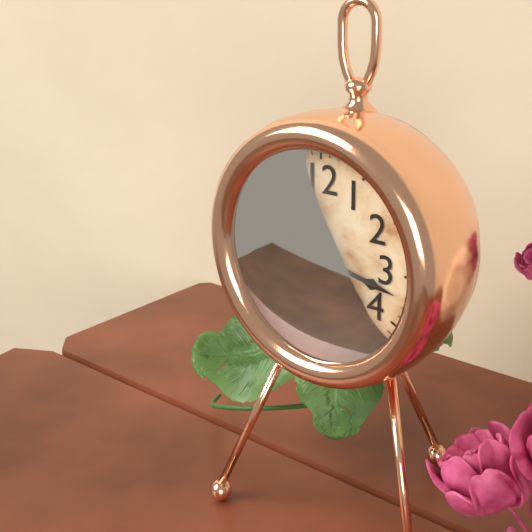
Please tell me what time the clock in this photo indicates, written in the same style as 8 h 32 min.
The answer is 6 h 17 min
